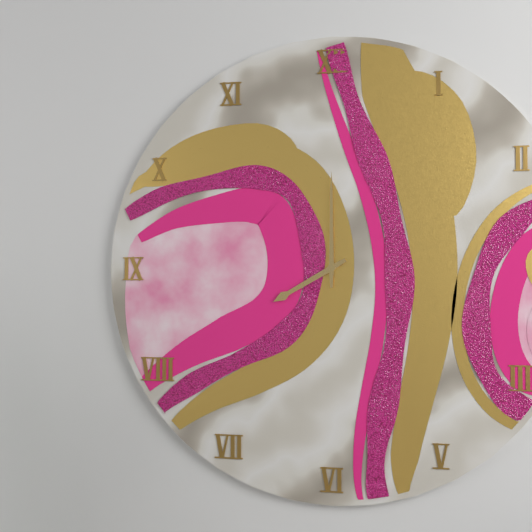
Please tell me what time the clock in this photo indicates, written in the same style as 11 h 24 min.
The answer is 8 h 00 min
